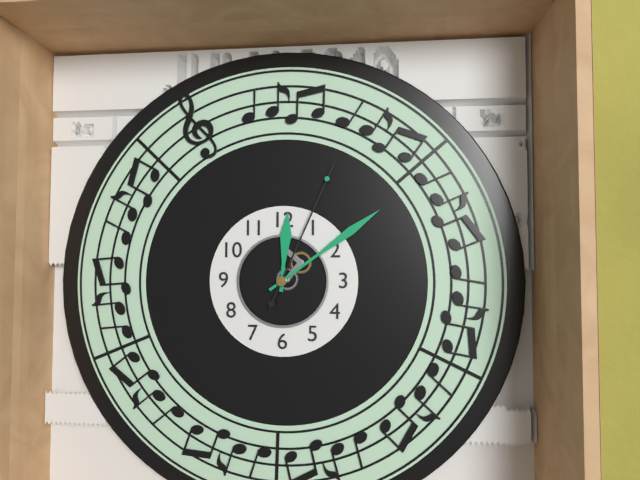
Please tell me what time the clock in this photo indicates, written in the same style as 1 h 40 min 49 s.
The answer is 12 h 09 min 04 s
